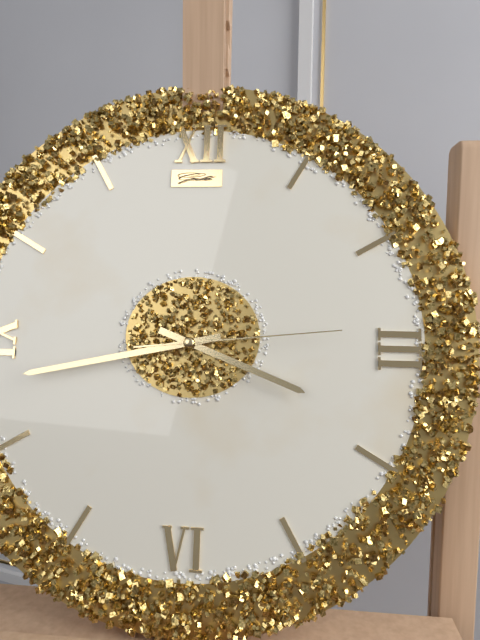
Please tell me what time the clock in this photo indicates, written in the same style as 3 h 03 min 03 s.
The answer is 3 h 43 min 14 s
